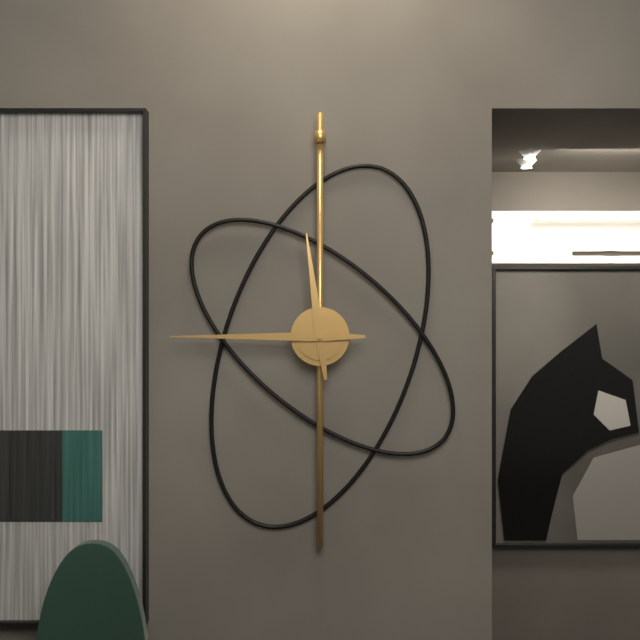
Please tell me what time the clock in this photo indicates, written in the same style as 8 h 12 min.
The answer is 11 h 45 min
